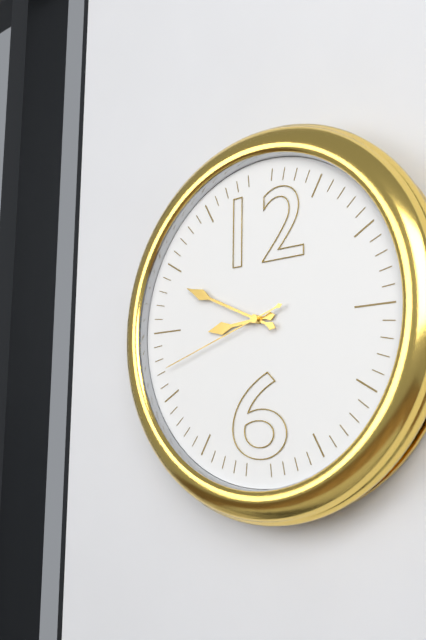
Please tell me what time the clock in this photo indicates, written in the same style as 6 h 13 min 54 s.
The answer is 8 h 49 min 42 s
